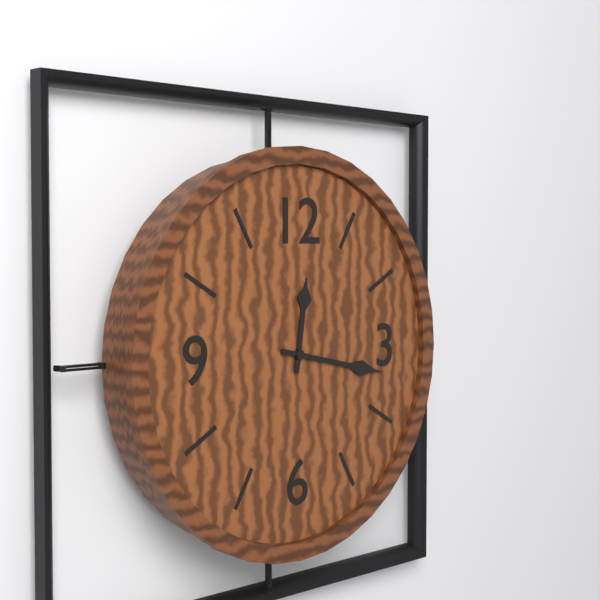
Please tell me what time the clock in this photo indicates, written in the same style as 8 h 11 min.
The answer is 12 h 17 min
